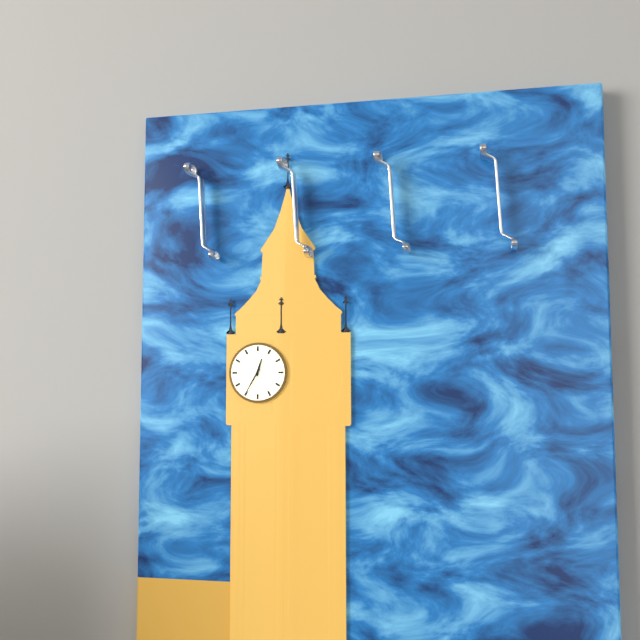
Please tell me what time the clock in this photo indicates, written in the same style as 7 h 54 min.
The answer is 12 h 35 min
